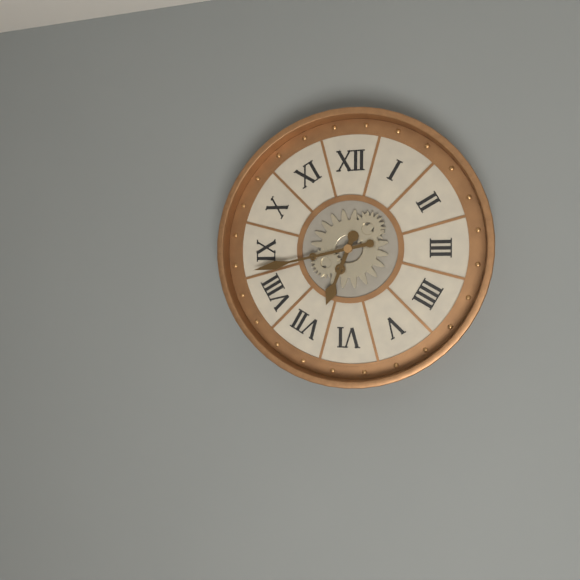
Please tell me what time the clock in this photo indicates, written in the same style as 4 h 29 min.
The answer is 6 h 43 min
